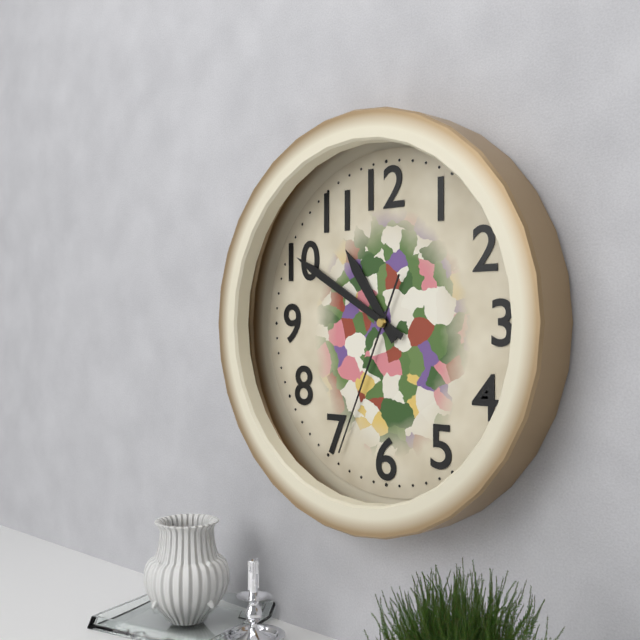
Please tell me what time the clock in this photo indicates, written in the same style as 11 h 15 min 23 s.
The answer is 10 h 50 min 34 s
